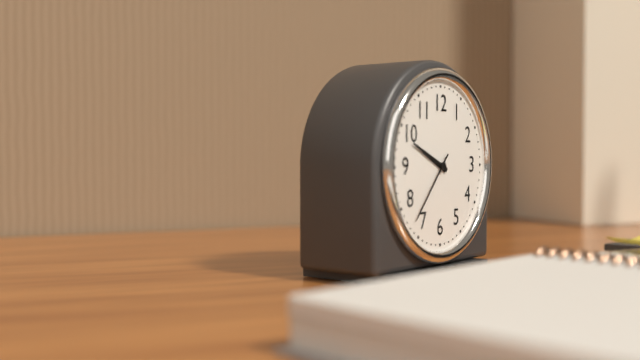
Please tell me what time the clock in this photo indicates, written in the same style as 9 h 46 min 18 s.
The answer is 9 h 49 min 37 s
